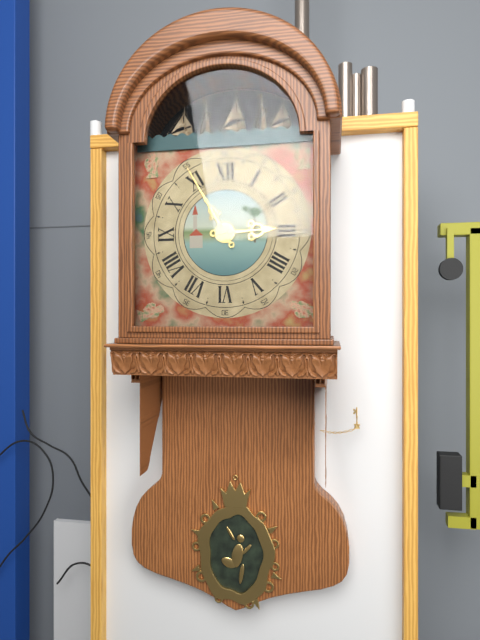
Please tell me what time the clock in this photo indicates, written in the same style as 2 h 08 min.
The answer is 2 h 55 min
